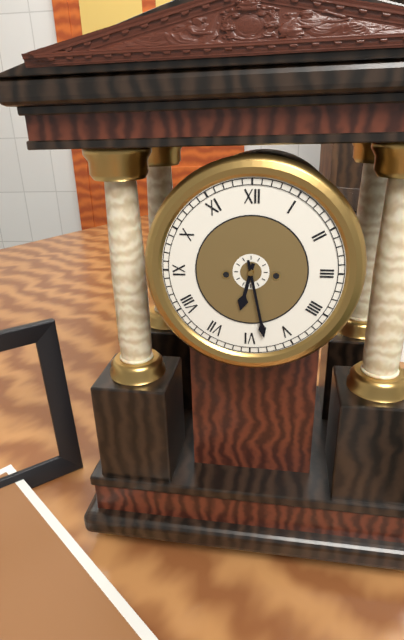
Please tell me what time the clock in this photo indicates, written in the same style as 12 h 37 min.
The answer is 6 h 28 min
